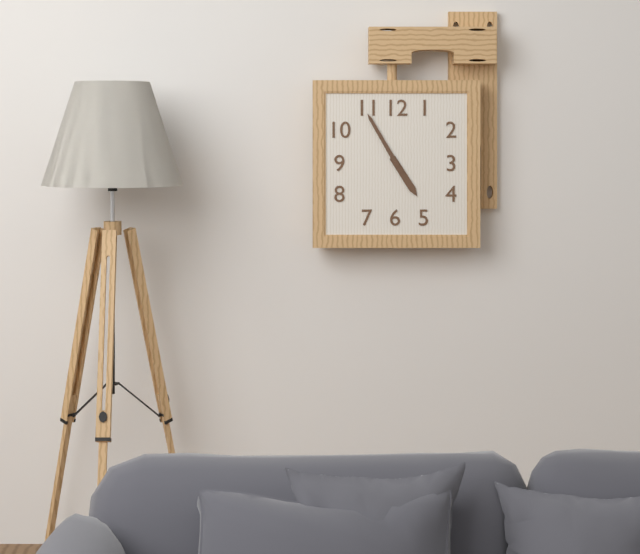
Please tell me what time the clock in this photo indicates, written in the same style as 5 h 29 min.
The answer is 4 h 55 min
